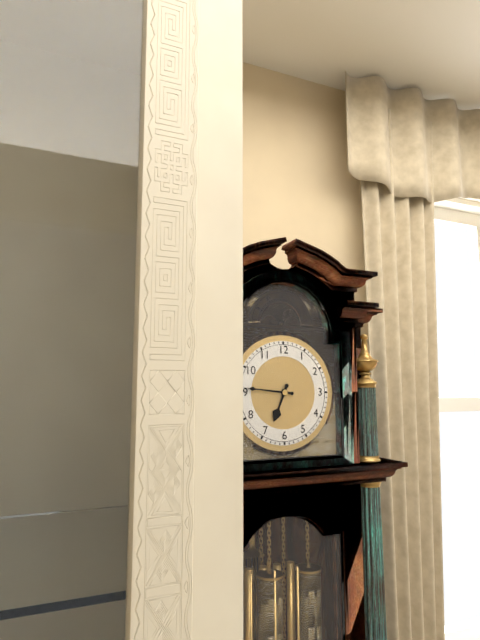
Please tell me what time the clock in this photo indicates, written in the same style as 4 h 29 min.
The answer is 6 h 46 min
